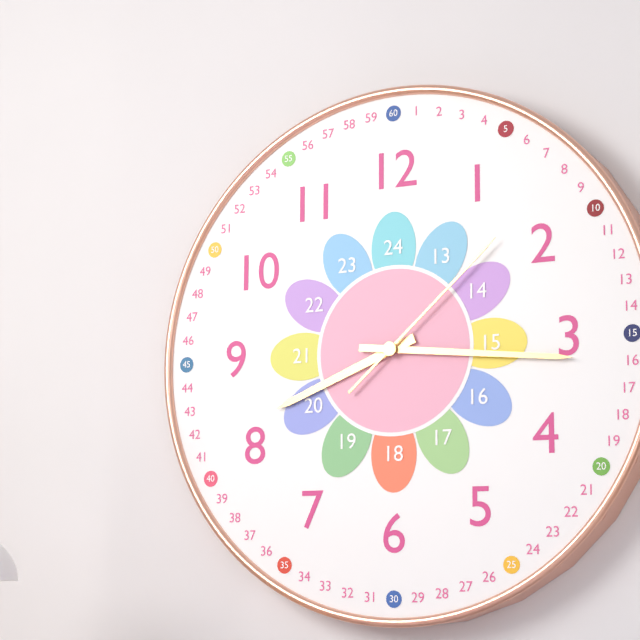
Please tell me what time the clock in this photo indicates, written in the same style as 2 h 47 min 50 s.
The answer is 8 h 16 min 08 s
